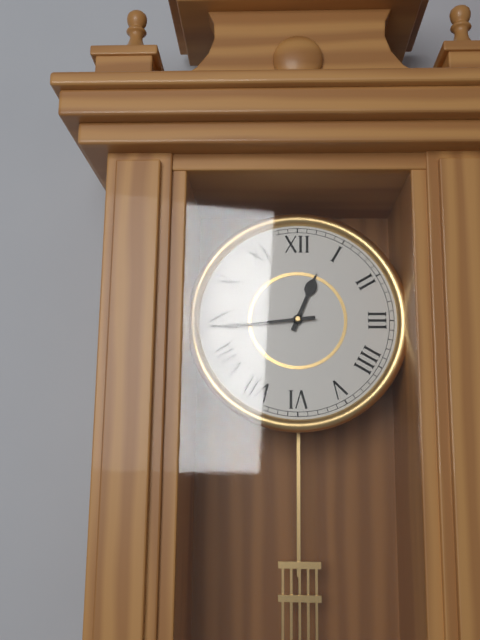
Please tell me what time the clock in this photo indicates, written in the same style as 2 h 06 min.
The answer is 12 h 44 min
